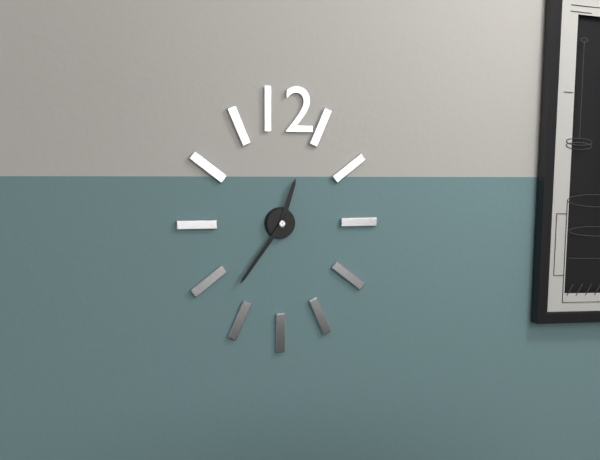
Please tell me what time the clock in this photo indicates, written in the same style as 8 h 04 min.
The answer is 12 h 36 min
